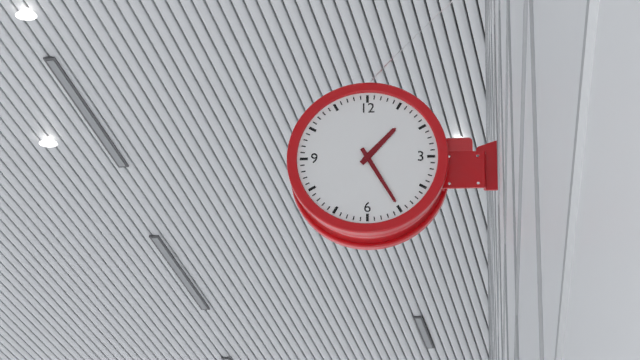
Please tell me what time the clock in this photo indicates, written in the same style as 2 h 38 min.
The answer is 1 h 25 min
